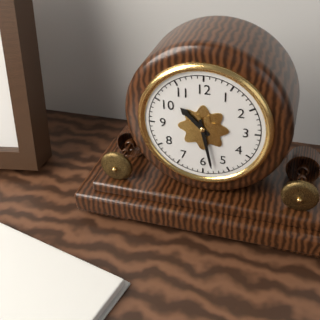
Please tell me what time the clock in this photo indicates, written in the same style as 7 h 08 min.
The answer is 10 h 28 min
